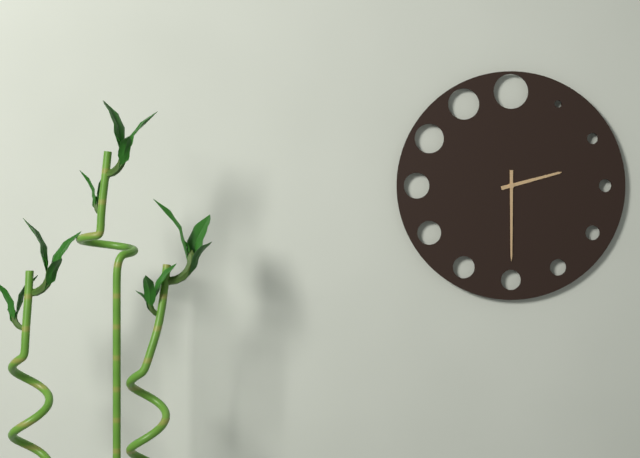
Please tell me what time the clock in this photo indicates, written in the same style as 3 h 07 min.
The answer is 2 h 30 min
